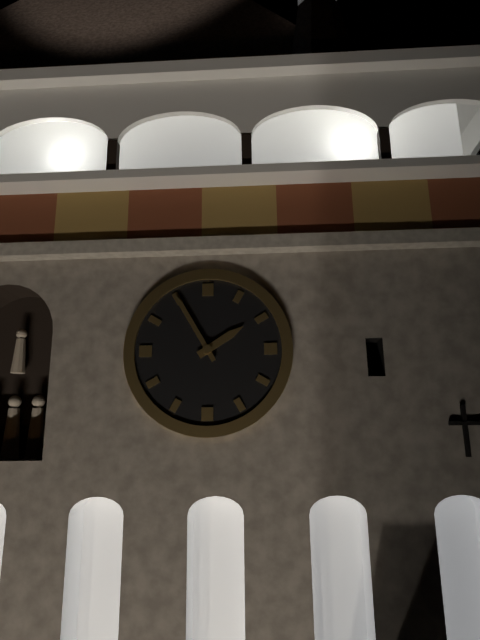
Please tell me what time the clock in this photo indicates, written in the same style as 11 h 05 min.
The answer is 1 h 55 min
